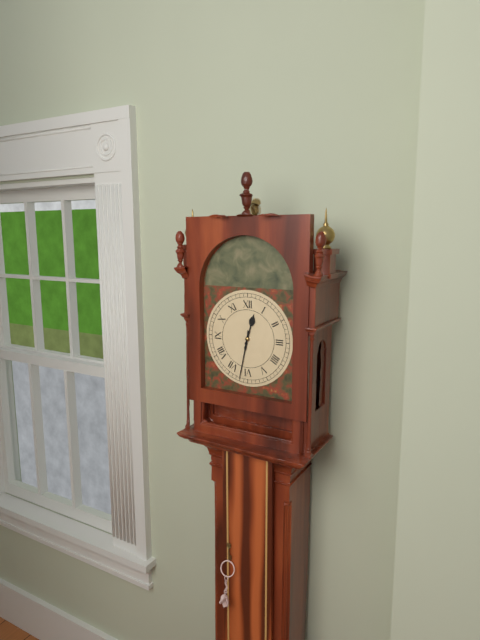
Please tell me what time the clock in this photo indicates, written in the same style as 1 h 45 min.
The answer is 12 h 32 min
